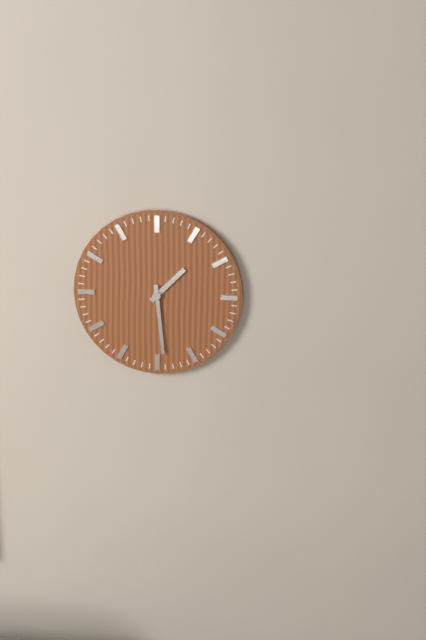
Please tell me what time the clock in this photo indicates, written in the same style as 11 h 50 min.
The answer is 1 h 29 min
